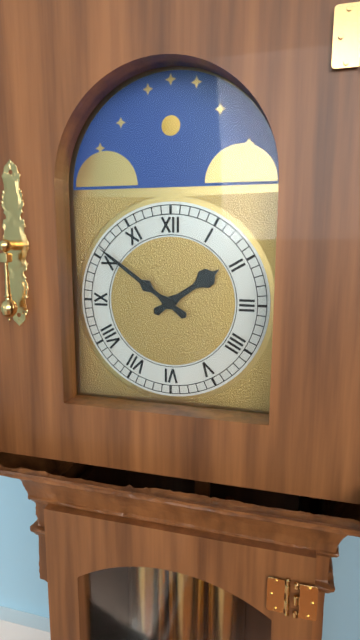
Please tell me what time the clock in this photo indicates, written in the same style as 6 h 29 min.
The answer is 1 h 51 min
